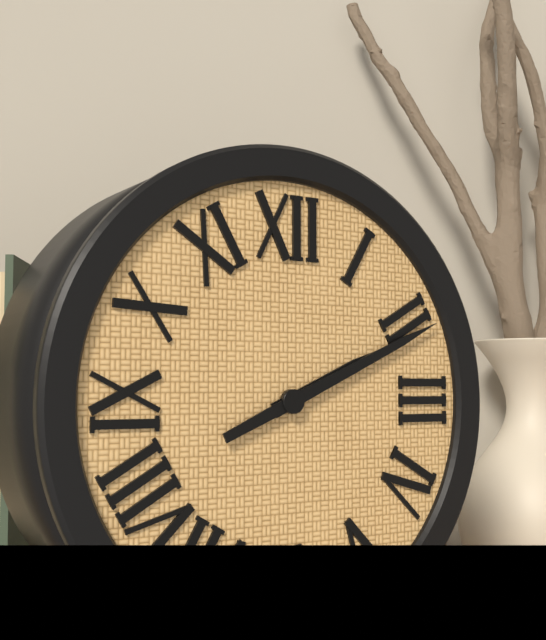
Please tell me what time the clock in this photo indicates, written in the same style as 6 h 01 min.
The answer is 2 h 11 min
